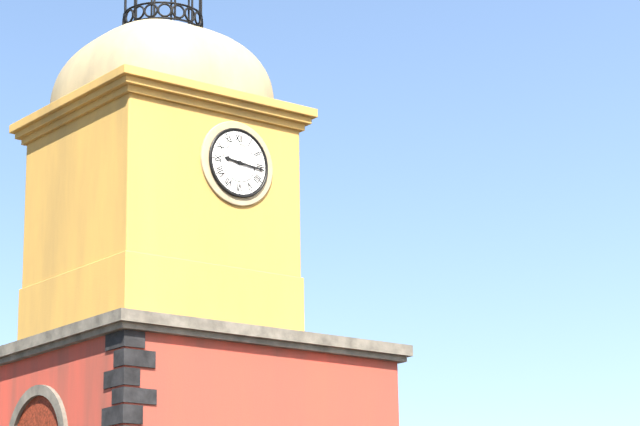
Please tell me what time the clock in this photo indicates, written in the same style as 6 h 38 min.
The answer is 9 h 16 min
